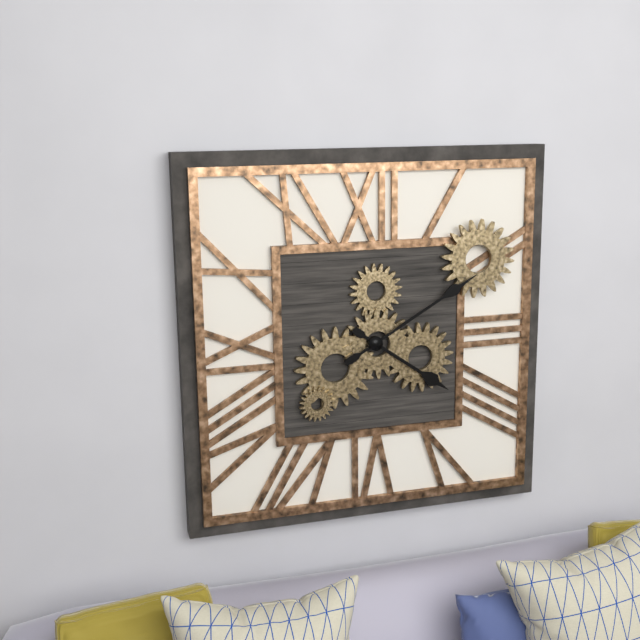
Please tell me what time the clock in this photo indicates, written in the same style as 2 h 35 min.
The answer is 4 h 10 min
